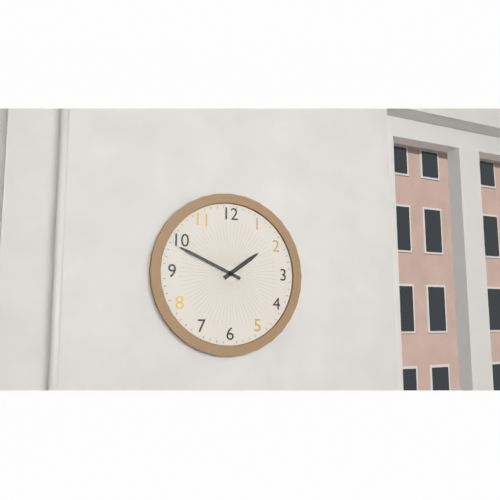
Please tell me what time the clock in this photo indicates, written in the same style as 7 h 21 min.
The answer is 1 h 49 min
